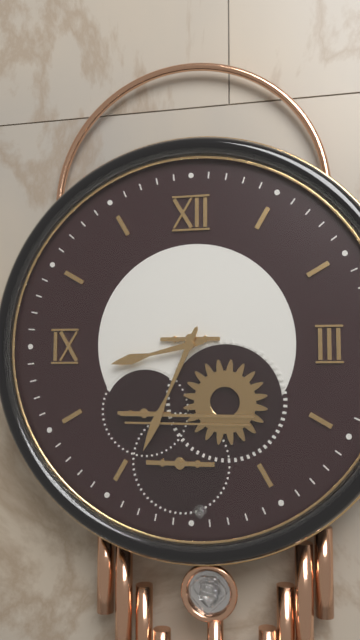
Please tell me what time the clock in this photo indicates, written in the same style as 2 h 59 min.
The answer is 8 h 34 min
